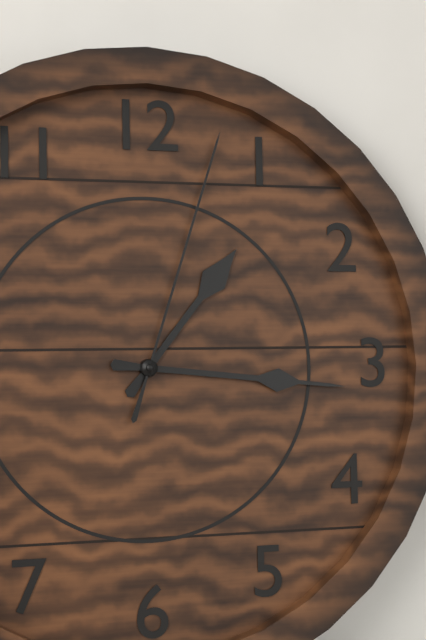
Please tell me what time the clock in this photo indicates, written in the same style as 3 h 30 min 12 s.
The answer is 1 h 16 min 03 s
